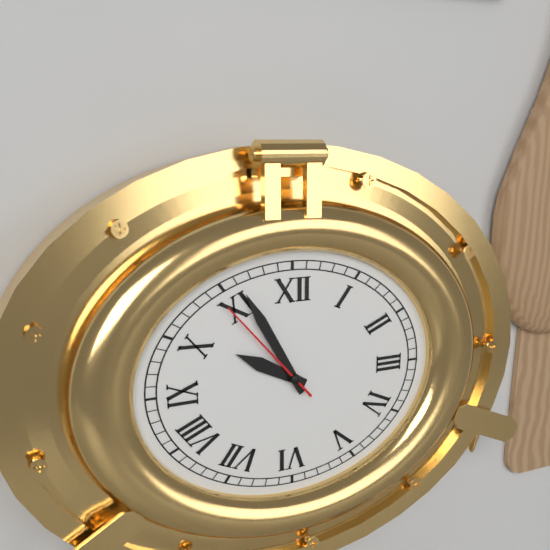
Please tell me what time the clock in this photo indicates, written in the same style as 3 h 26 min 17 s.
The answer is 9 h 55 min 53 s
